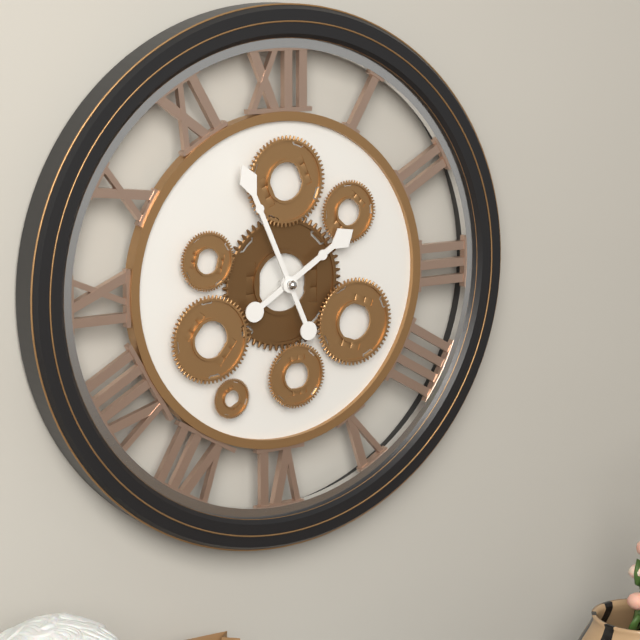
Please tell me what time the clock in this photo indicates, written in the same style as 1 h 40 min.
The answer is 1 h 56 min
